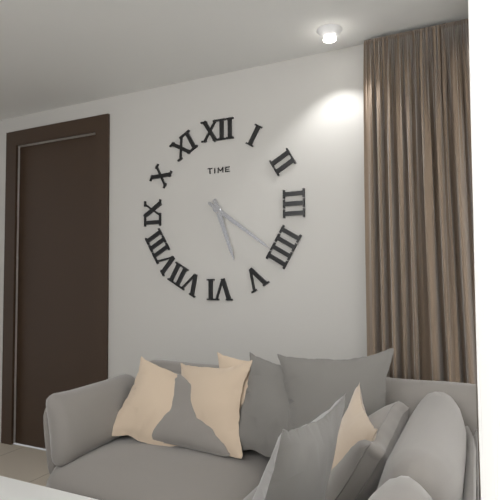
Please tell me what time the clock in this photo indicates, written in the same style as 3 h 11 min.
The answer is 5 h 21 min
